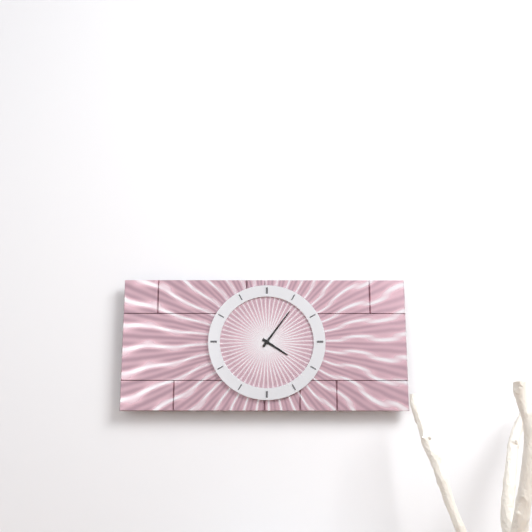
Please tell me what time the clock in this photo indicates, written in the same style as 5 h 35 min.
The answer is 4 h 06 min
